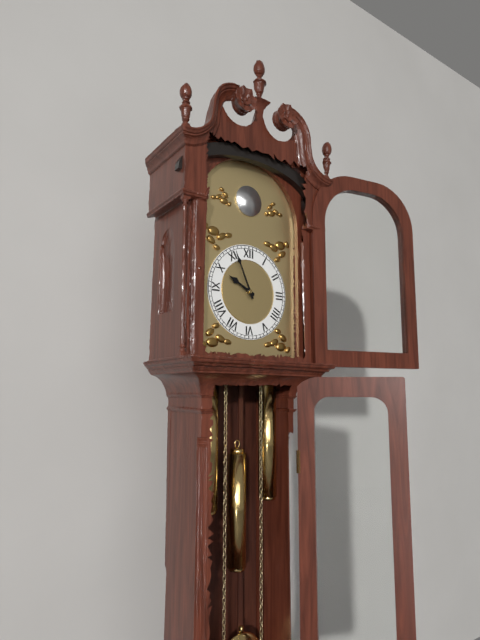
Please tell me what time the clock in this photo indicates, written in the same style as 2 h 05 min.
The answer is 9 h 56 min
